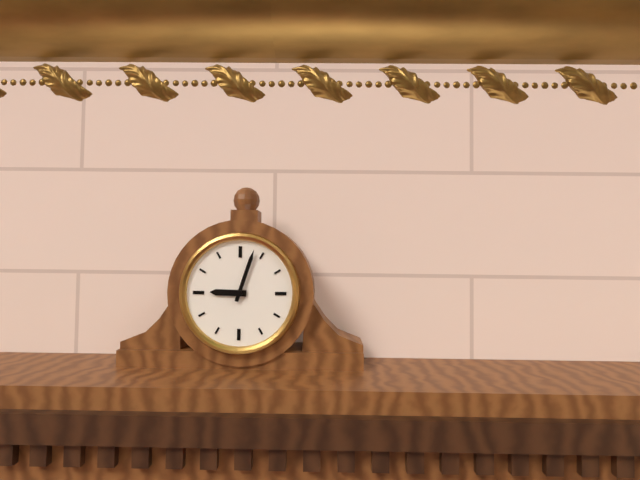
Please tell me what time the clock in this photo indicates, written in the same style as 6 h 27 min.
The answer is 9 h 03 min
